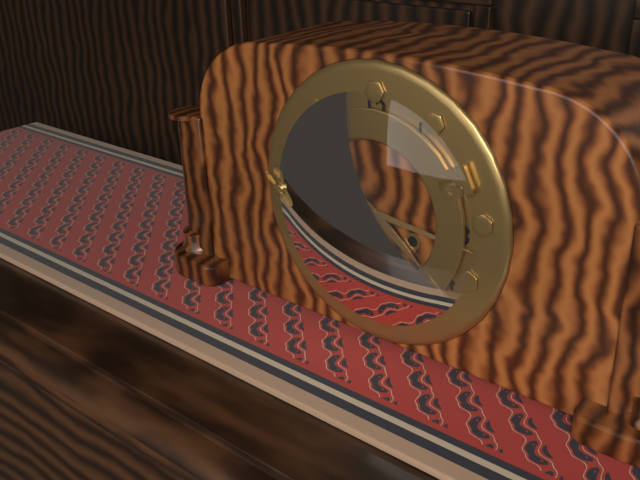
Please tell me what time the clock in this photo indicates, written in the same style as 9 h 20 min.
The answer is 4 h 16 min
